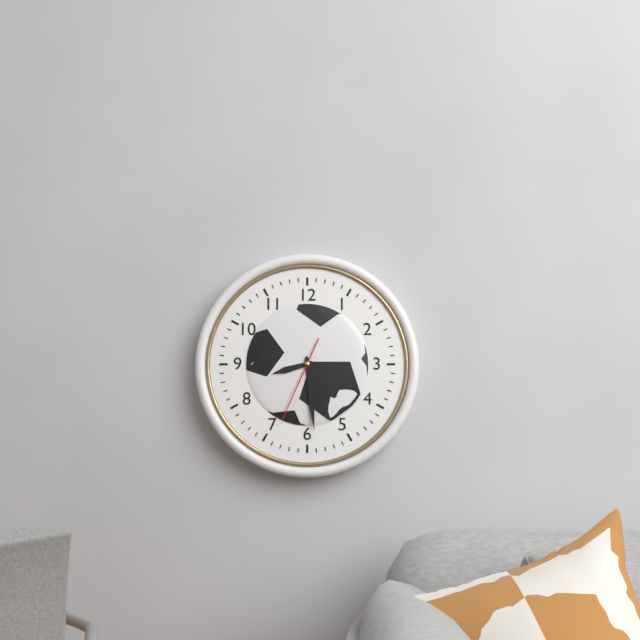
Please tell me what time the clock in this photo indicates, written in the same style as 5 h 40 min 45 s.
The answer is 8 h 29 min 34 s
